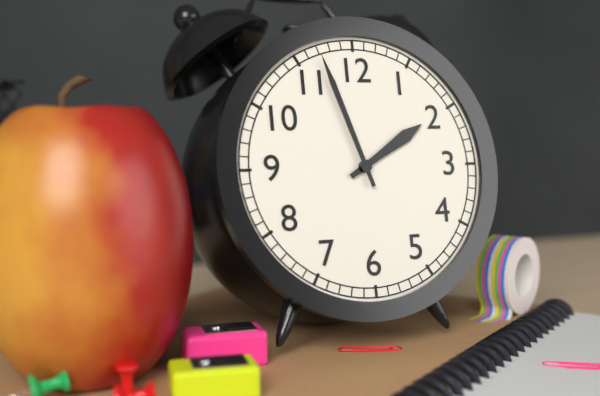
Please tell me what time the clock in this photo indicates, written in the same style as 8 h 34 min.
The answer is 1 h 57 min
